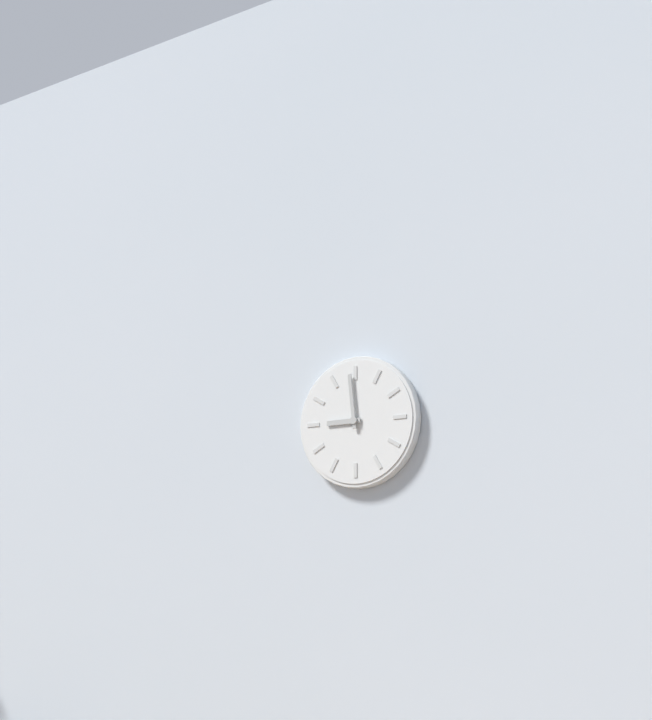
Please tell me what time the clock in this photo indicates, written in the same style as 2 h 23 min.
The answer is 8 h 59 min
